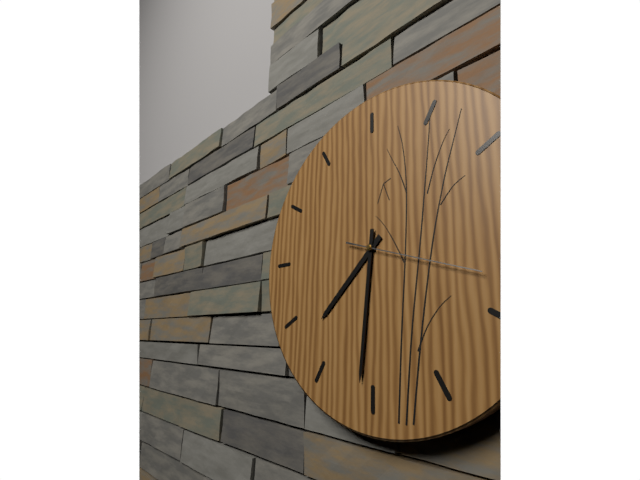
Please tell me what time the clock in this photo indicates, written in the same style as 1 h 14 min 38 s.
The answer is 7 h 31 min 18 s
